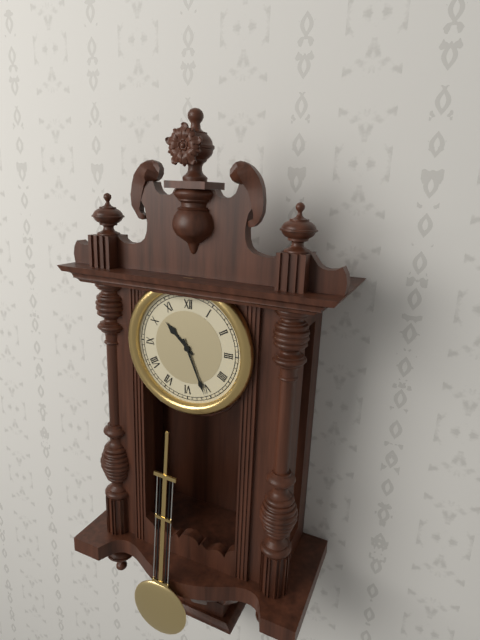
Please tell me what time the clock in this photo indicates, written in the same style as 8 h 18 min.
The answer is 10 h 26 min
